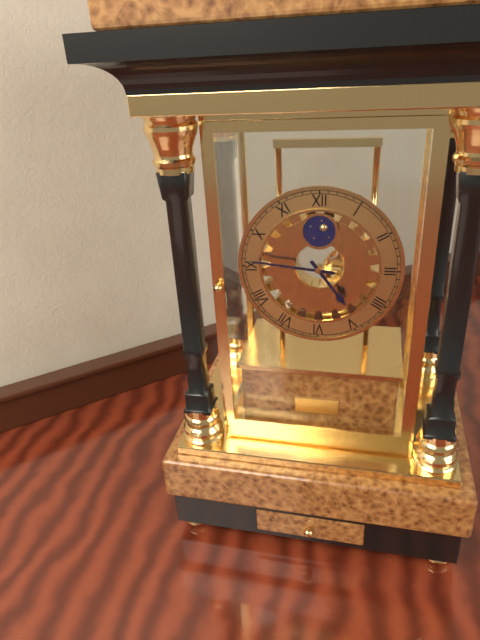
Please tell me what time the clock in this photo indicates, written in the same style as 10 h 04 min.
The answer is 4 h 46 min
